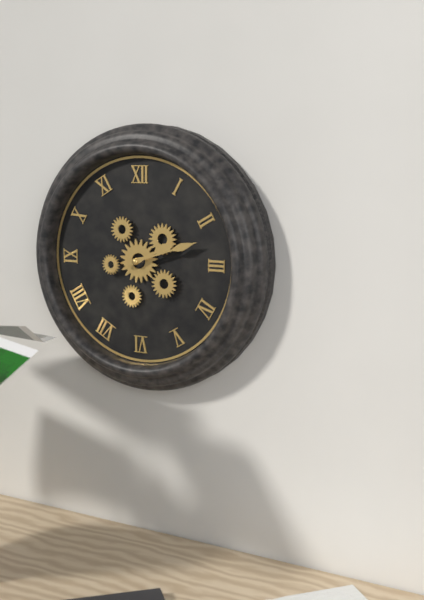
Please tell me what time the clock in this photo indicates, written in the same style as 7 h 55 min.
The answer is 2 h 12 min
